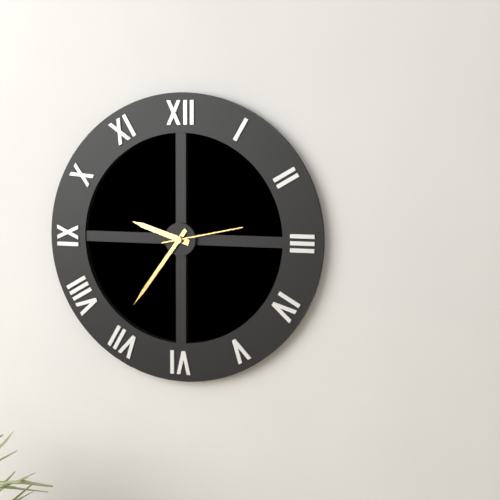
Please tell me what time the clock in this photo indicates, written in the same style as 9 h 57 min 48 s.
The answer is 9 h 36 min 13 s
